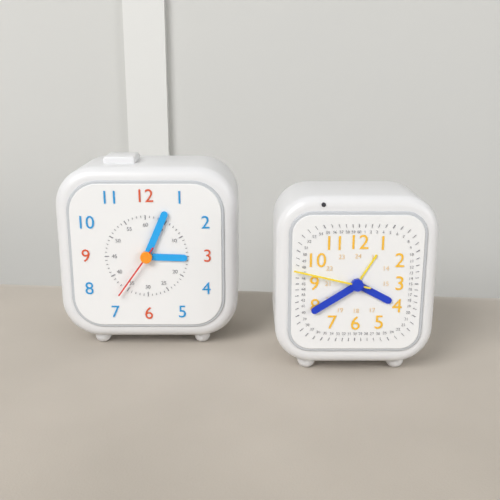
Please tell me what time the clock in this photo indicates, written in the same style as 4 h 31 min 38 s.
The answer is 3 h 04 min 36 s
